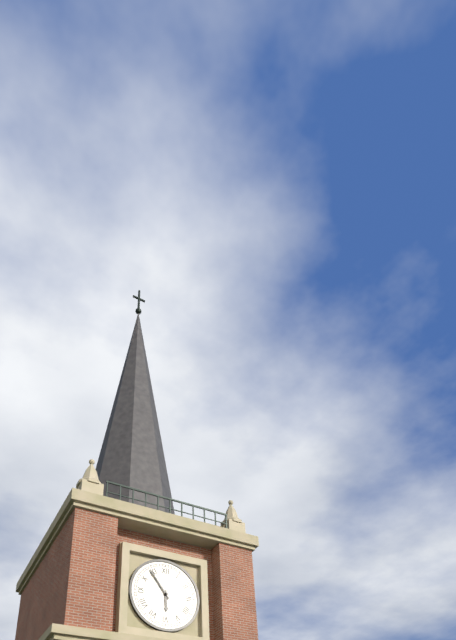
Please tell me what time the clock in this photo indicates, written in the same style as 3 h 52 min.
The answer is 5 h 54 min
